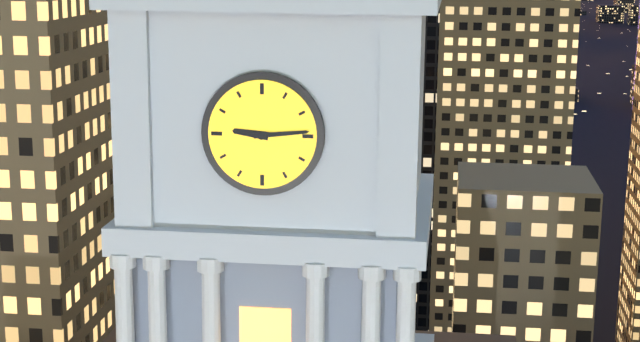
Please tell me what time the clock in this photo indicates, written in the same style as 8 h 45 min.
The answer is 9 h 14 min
